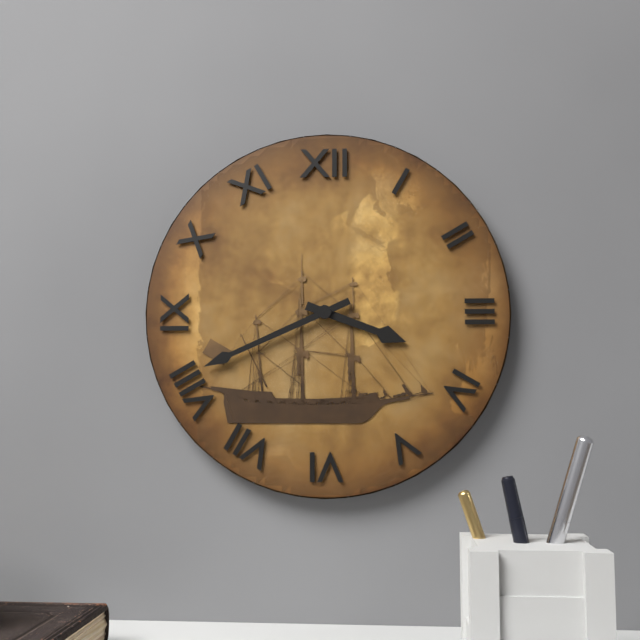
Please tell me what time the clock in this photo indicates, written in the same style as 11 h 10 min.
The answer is 3 h 41 min
